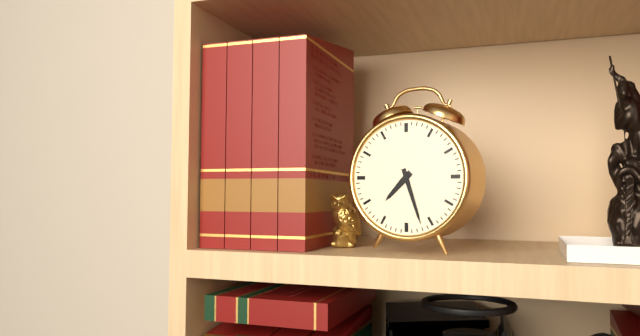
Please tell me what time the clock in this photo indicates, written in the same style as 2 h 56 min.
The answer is 7 h 27 min
